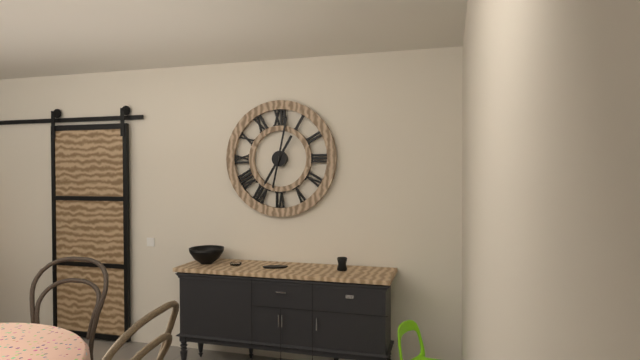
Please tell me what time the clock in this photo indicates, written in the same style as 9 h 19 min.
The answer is 7 h 02 min
